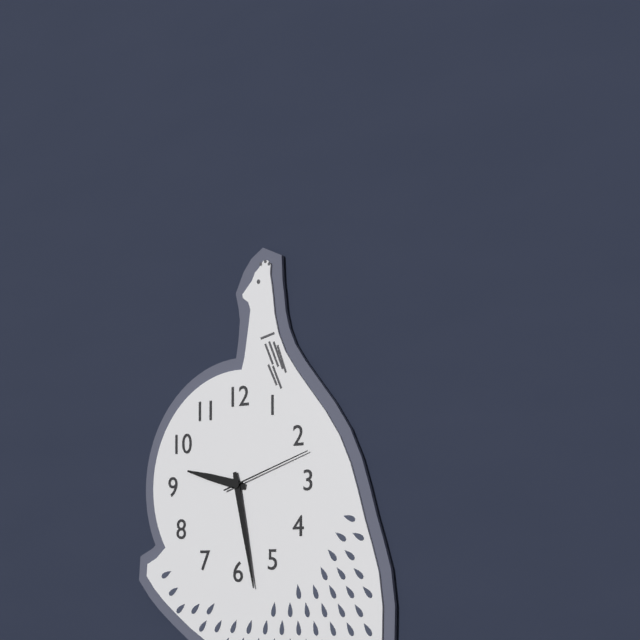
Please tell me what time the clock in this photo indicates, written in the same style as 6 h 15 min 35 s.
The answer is 9 h 28 min 12 s
